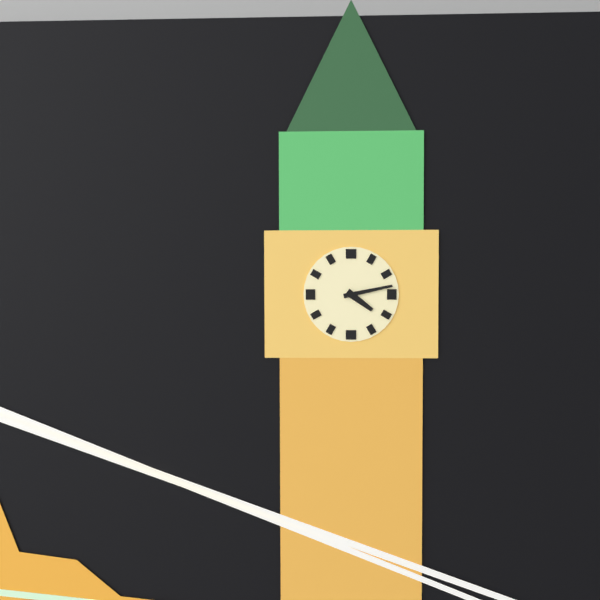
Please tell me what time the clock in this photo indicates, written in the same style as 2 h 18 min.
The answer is 4 h 13 min
